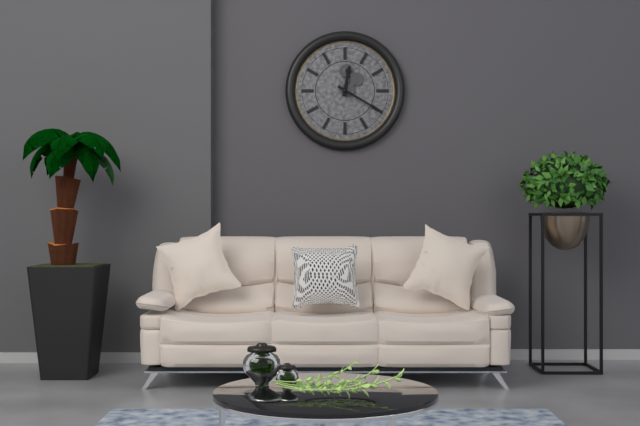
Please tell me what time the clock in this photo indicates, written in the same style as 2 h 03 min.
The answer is 12 h 20 min
